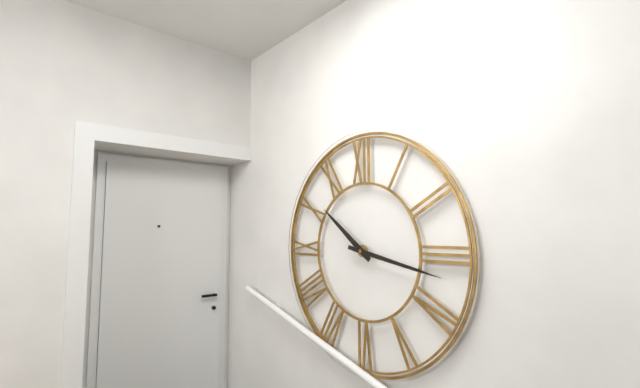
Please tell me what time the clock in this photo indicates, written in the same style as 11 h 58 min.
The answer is 10 h 17 min
